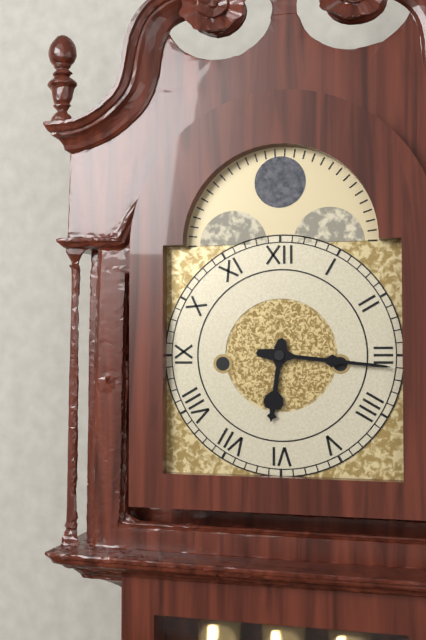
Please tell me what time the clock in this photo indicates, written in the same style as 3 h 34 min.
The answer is 6 h 16 min
